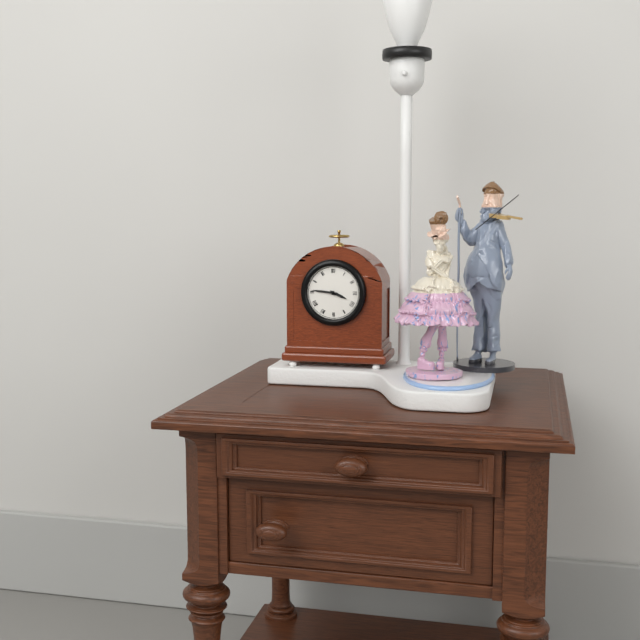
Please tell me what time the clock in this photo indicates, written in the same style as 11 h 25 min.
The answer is 3 h 46 min
